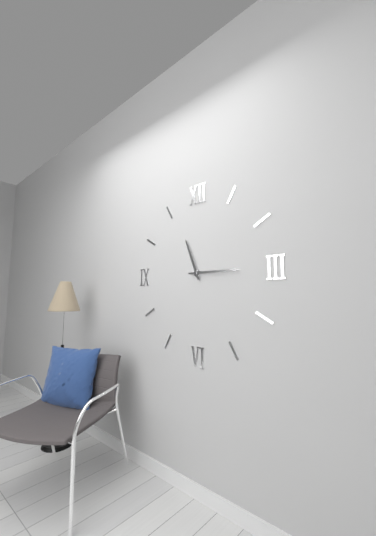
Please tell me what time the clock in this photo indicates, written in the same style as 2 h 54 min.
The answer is 11 h 15 min
